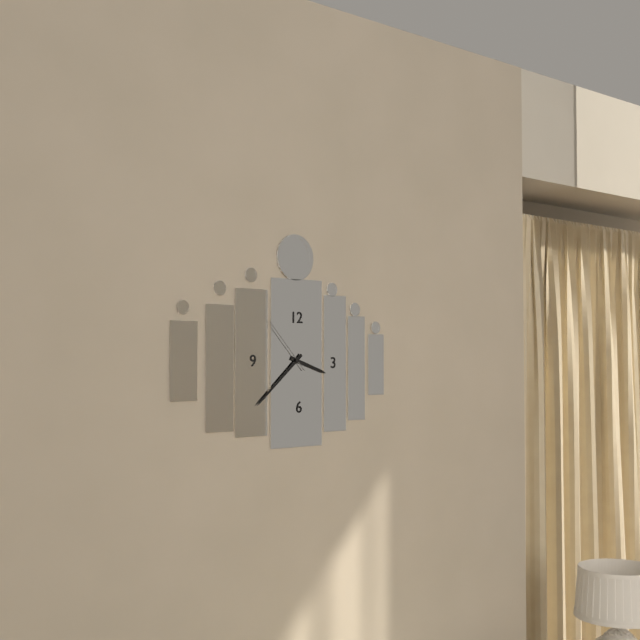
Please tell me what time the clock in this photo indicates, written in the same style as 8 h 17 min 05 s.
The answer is 3 h 38 min 53 s
